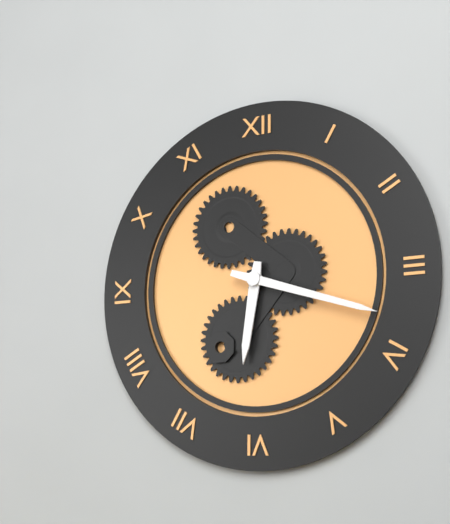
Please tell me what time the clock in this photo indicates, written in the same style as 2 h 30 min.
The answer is 6 h 18 min
